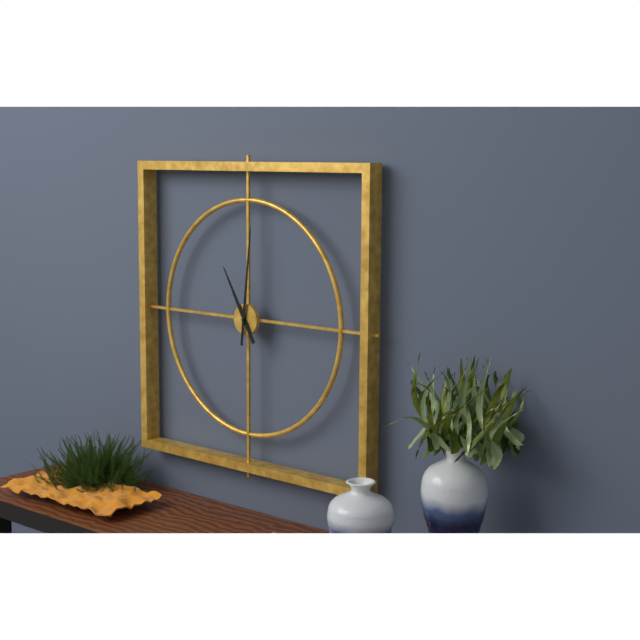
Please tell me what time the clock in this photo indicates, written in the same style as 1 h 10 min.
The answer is 11 h 01 min
